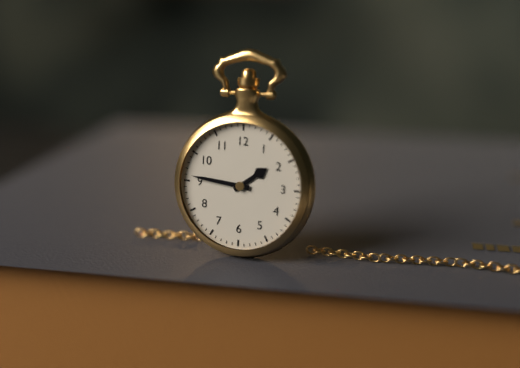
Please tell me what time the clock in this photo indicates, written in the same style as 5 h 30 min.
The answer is 1 h 46 min
